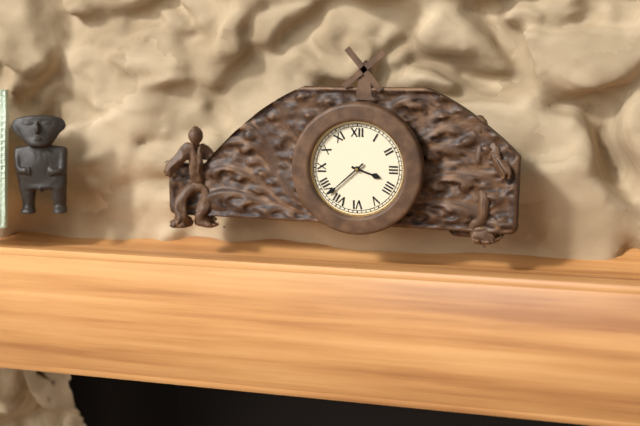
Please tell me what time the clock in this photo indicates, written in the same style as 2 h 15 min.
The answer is 3 h 38 min
